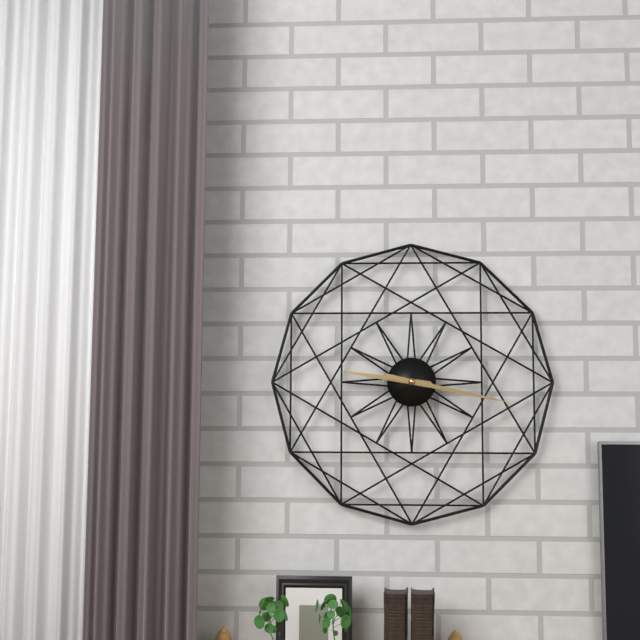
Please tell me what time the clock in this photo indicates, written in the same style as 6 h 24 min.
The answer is 9 h 17 min
